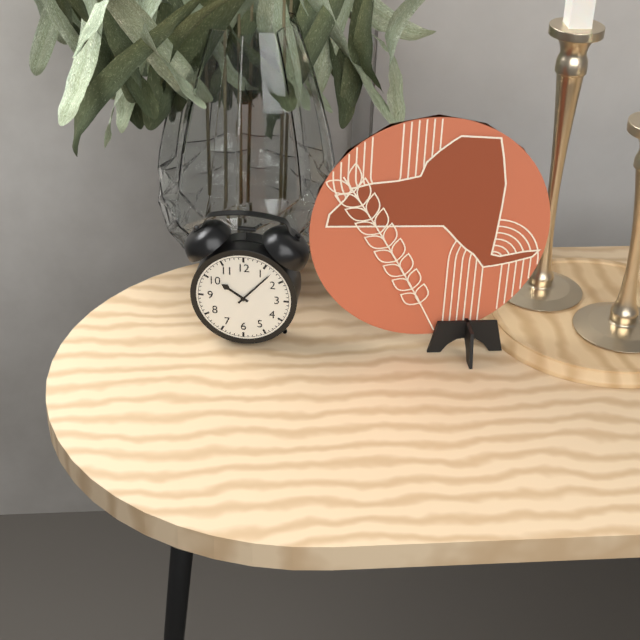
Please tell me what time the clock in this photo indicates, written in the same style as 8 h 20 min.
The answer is 10 h 07 min
